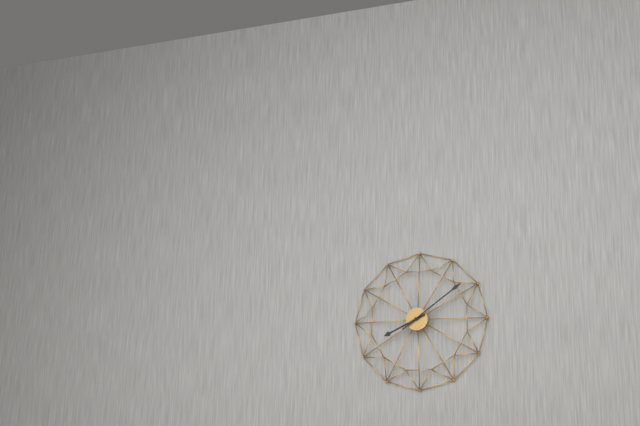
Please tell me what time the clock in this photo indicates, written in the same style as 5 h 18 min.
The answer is 8 h 09 min
